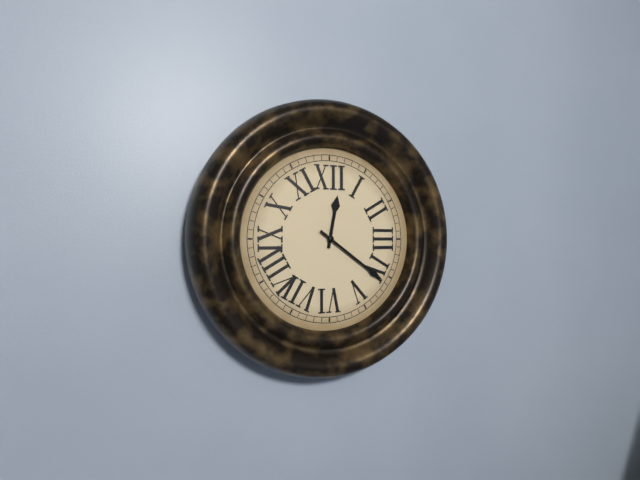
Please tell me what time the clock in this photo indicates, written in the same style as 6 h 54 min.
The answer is 12 h 21 min
